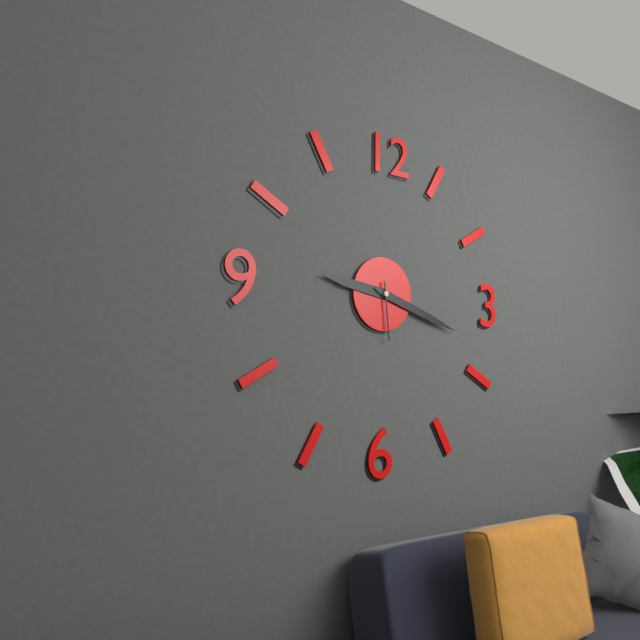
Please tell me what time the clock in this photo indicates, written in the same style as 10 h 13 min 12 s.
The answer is 9 h 18 min 29 s
